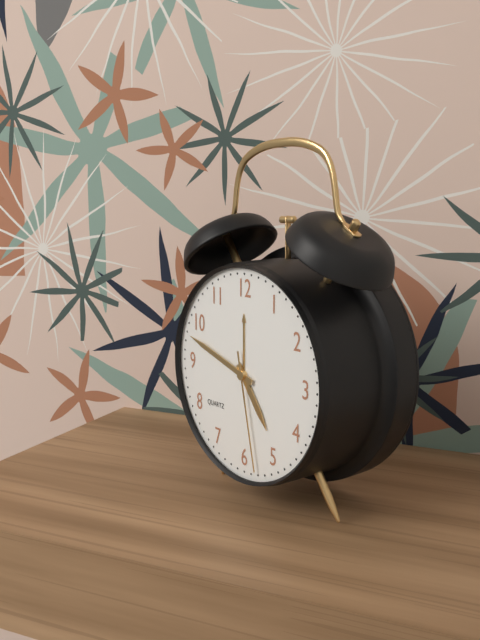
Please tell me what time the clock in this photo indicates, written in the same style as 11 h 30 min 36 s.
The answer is 4 h 48 min 28 s
